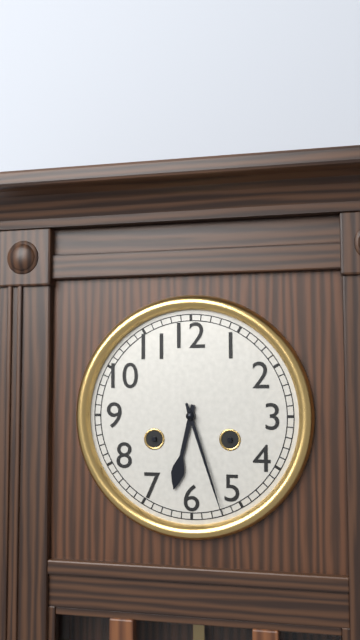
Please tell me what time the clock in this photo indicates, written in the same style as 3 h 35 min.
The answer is 6 h 27 min
